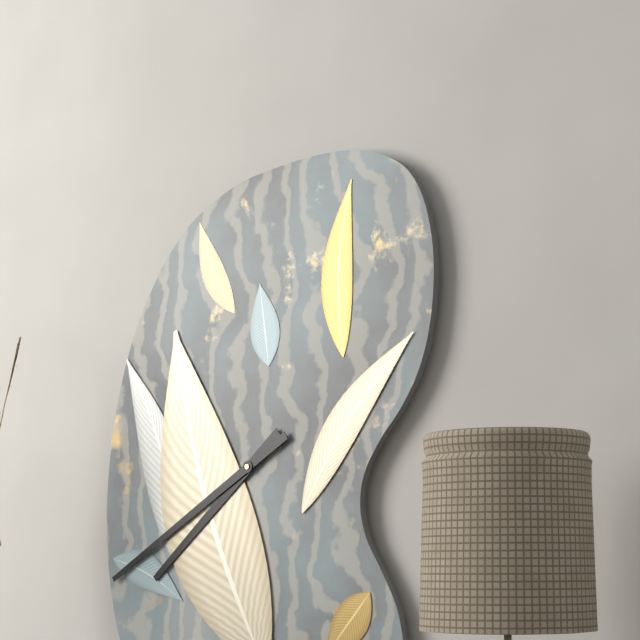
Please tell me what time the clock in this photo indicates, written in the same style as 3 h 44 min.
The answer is 7 h 40 min
